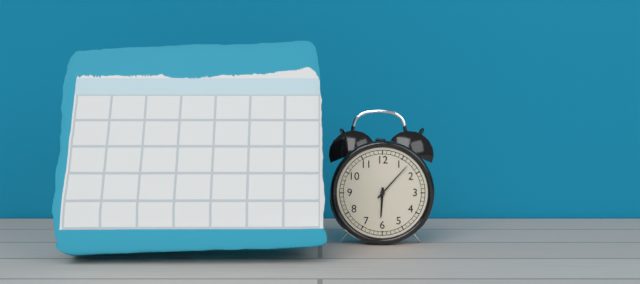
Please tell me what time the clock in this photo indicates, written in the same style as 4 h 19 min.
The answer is 6 h 07 min
